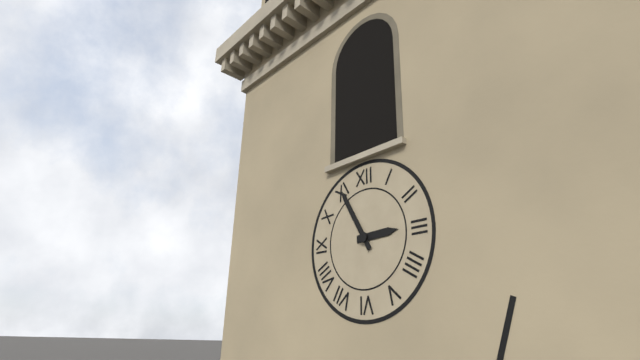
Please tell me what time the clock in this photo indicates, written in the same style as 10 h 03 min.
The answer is 2 h 55 min
